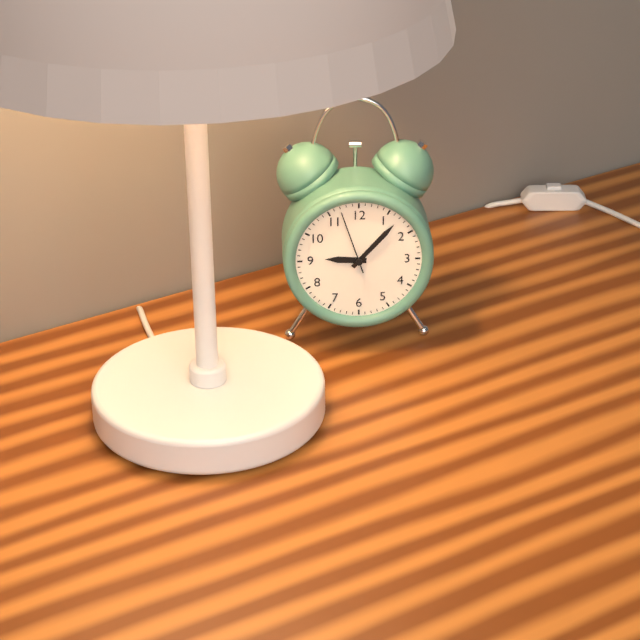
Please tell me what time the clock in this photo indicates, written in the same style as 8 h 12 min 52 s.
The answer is 9 h 07 min 57 s
